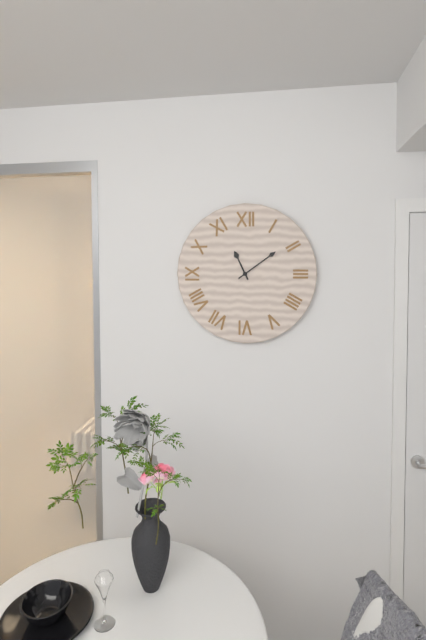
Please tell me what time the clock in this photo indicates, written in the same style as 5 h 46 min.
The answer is 11 h 09 min
